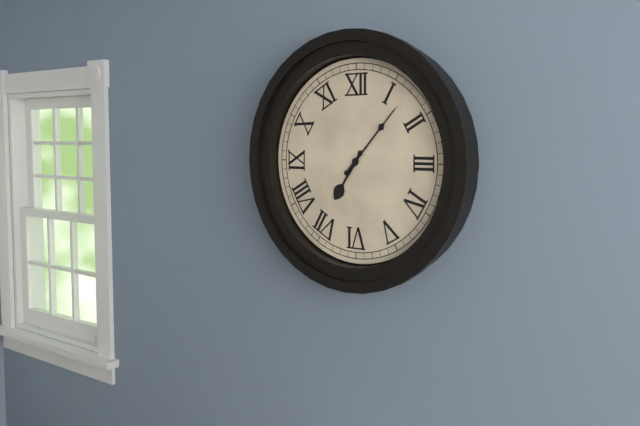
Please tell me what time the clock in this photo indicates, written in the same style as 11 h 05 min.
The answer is 7 h 07 min
